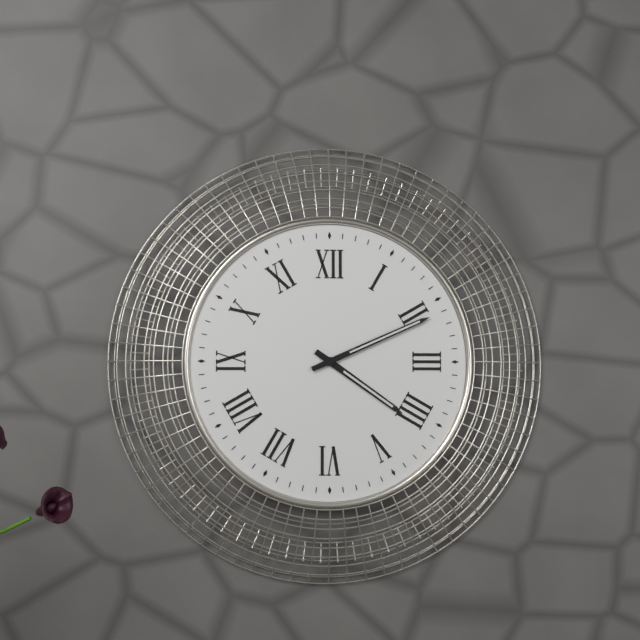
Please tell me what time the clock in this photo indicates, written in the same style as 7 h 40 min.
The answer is 4 h 11 min
